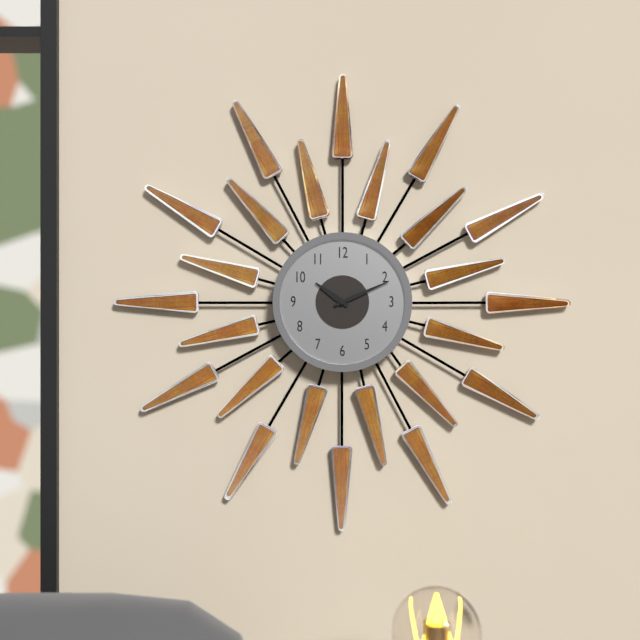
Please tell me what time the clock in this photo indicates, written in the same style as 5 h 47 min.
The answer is 10 h 11 min
